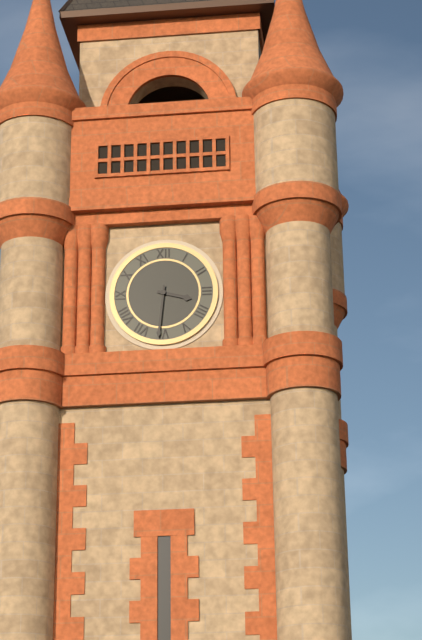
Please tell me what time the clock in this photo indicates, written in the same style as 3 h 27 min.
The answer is 3 h 31 min
